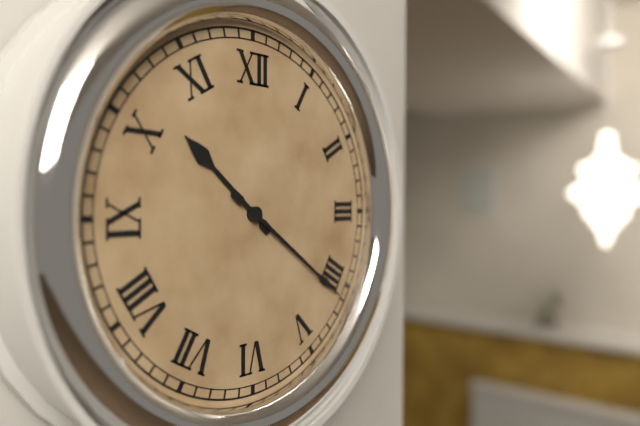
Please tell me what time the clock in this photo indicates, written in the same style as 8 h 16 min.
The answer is 10 h 21 min
